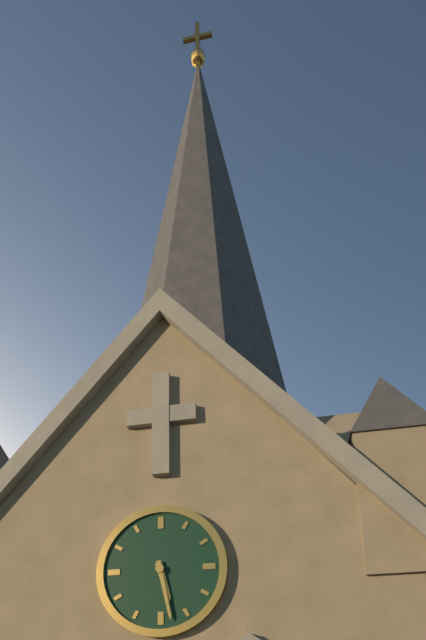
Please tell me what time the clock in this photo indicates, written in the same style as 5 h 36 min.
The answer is 5 h 28 min
